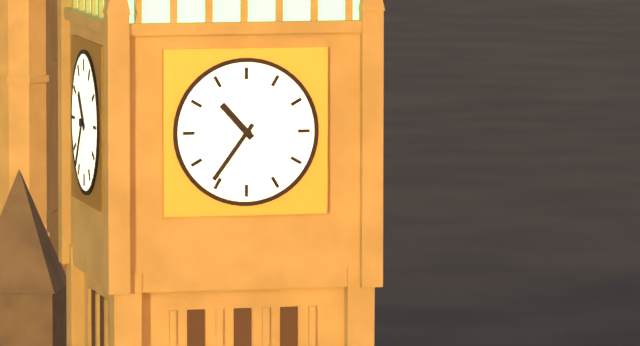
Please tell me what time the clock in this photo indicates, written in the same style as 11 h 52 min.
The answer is 10 h 36 min
